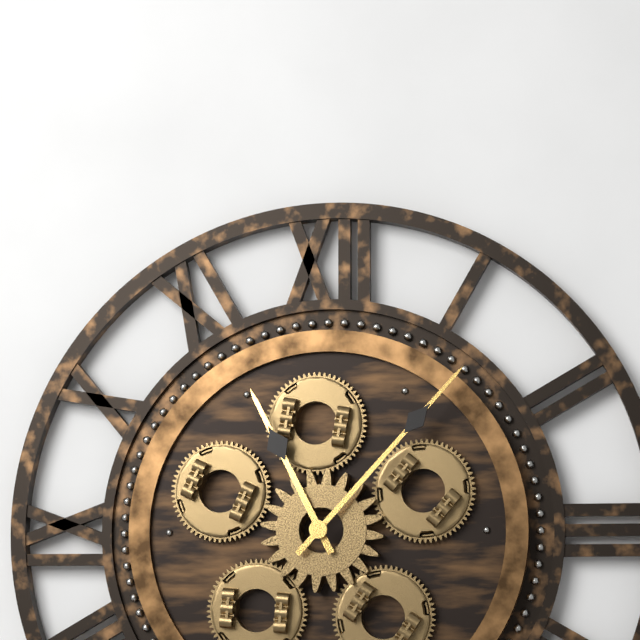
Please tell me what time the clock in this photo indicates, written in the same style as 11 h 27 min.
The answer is 11 h 07 min
